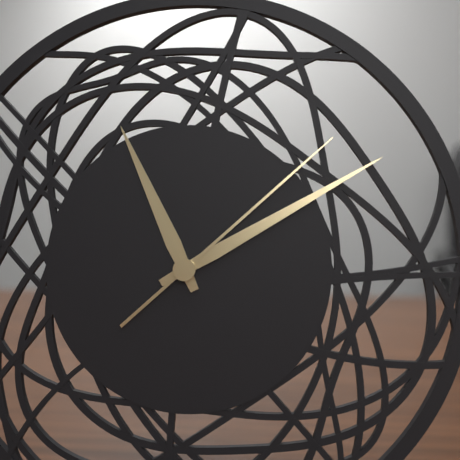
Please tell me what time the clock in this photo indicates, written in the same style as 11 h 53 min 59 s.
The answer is 11 h 10 min 08 s
